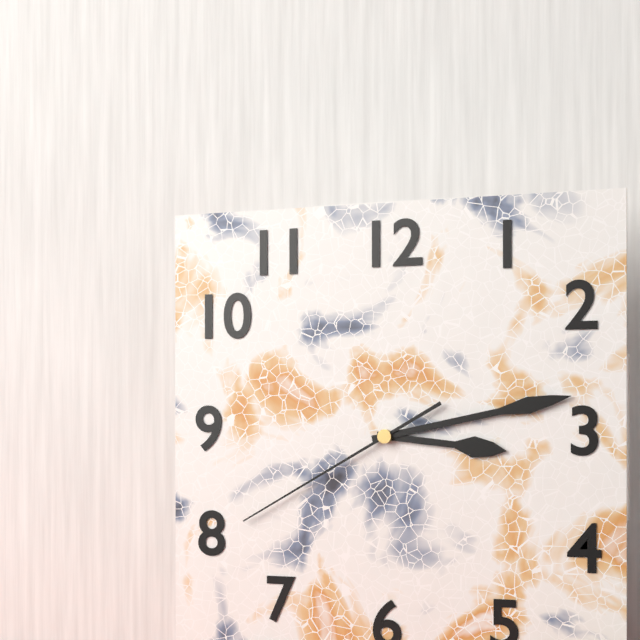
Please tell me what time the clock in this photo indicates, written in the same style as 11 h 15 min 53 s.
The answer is 3 h 13 min 40 s
